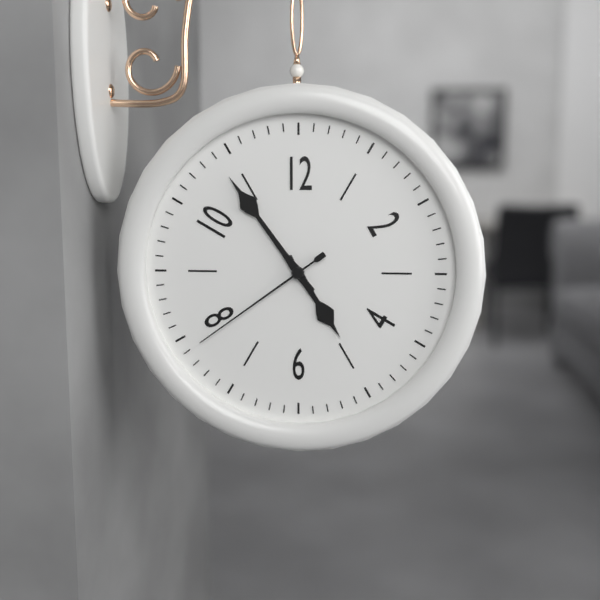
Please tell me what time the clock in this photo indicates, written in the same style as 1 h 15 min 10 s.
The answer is 4 h 54 min 39 s
